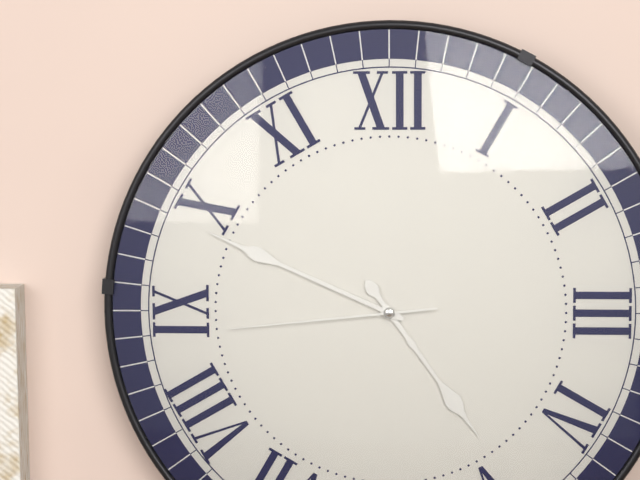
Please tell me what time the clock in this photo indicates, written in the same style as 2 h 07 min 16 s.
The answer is 4 h 49 min 44 s
